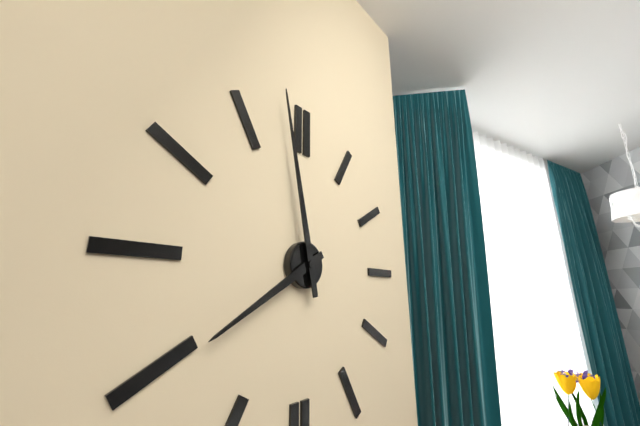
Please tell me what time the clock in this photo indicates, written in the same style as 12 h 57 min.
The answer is 7 h 58 min
